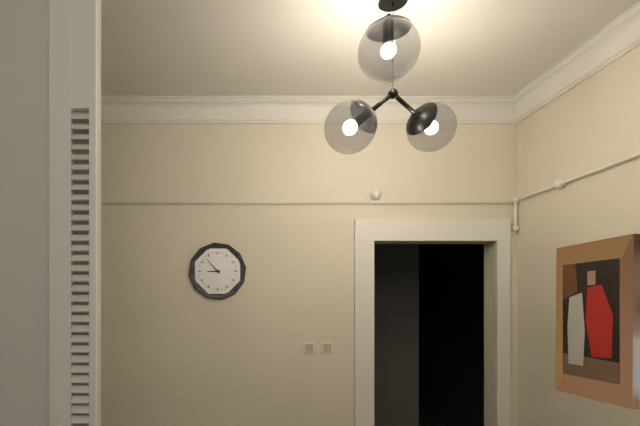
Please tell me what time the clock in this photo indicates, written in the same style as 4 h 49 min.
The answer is 8 h 53 min
